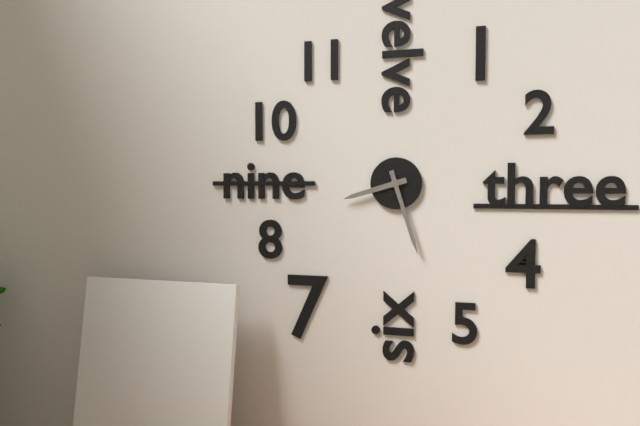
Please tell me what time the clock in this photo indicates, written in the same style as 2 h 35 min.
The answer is 8 h 27 min
